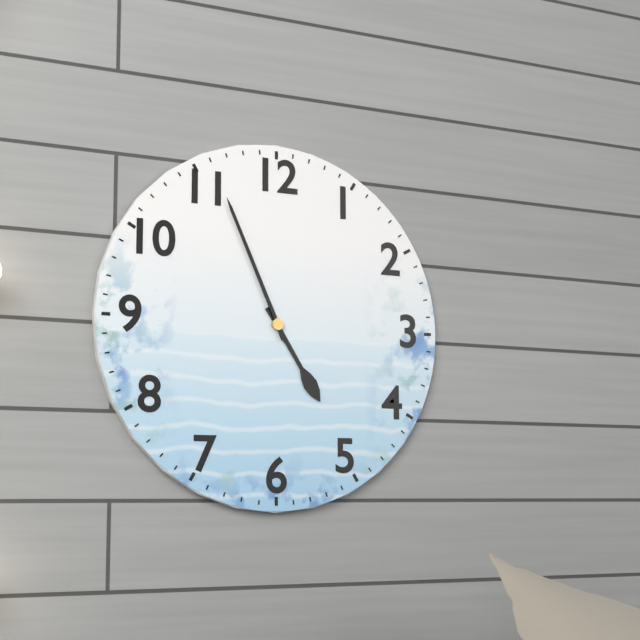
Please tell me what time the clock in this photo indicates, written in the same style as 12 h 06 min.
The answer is 4 h 56 min
